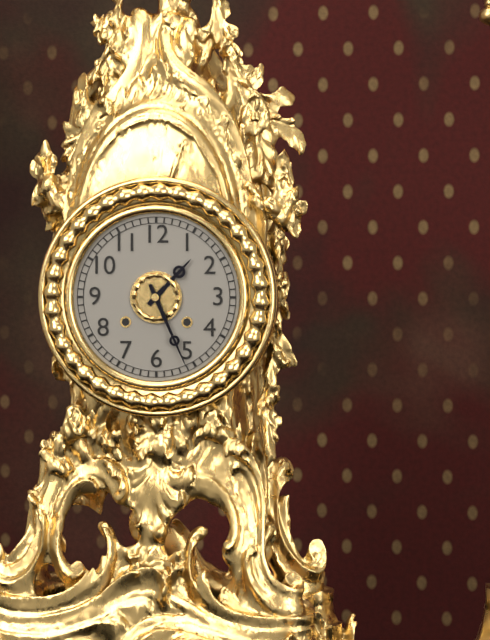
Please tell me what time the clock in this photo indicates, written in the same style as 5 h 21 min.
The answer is 1 h 26 min
